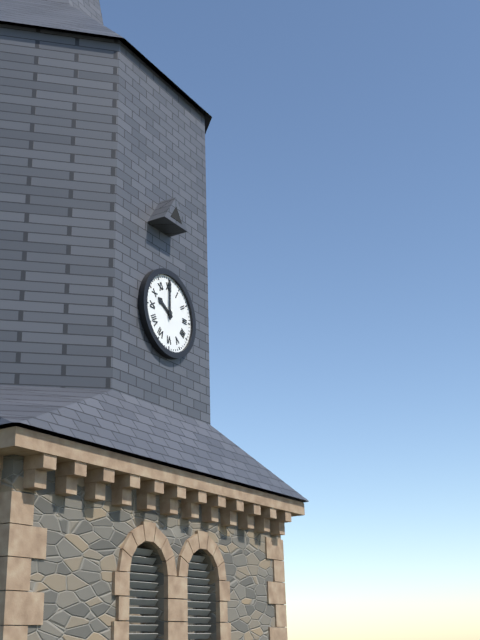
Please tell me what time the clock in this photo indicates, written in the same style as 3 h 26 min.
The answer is 10 h 00 min
